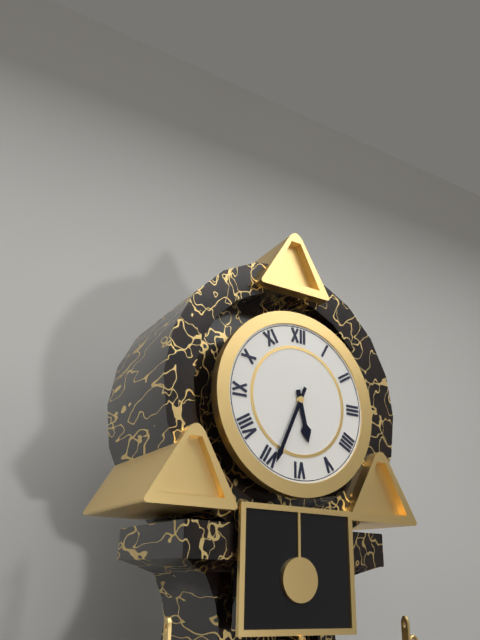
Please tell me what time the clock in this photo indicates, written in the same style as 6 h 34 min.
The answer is 5 h 34 min
